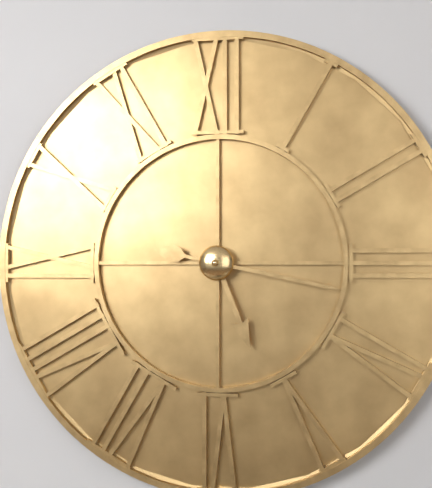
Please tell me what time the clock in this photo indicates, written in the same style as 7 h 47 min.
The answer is 5 h 17 min
